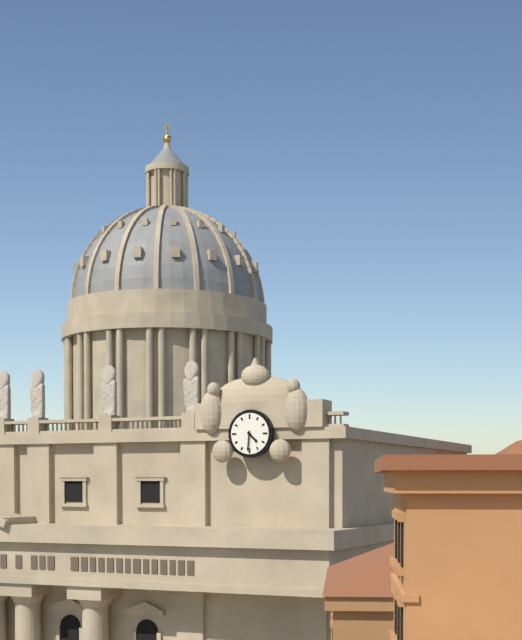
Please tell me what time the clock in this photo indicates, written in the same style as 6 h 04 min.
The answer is 4 h 31 min
